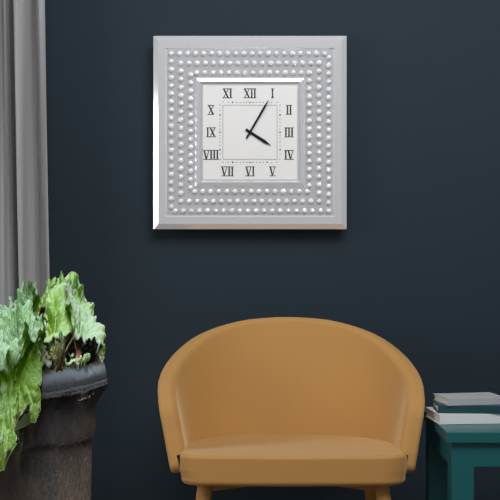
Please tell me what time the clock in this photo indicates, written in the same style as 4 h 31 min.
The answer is 4 h 05 min
